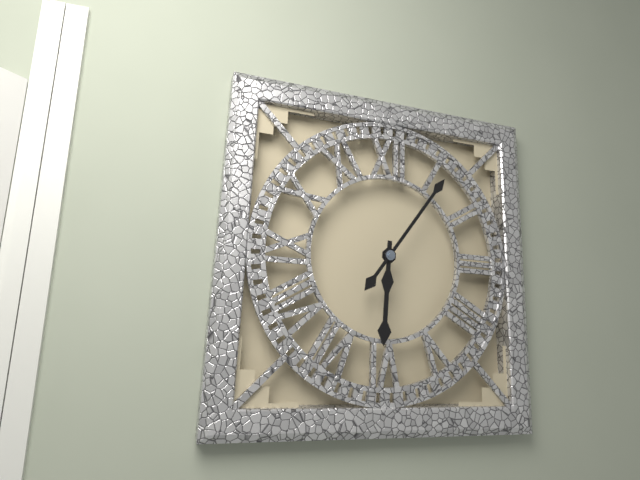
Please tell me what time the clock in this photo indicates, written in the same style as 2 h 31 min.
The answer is 6 h 06 min
